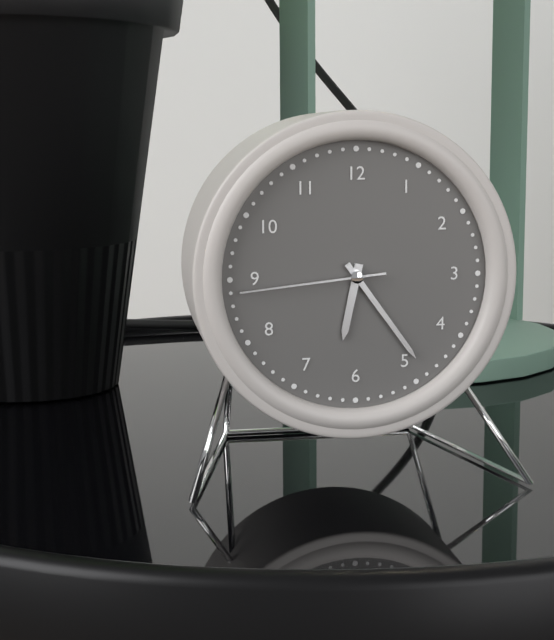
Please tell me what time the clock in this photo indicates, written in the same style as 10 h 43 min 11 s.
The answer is 6 h 24 min 44 s
